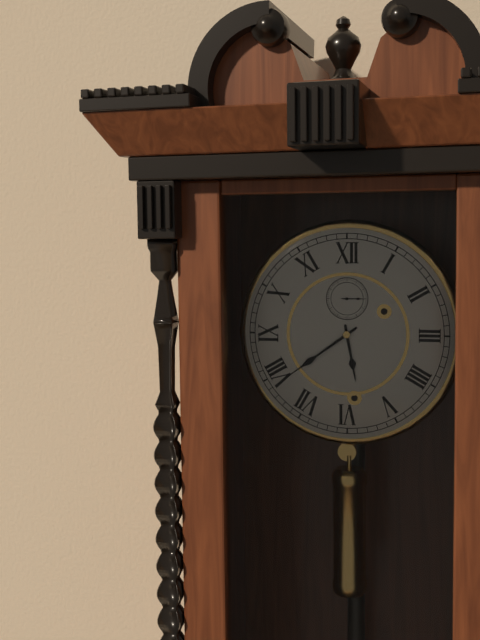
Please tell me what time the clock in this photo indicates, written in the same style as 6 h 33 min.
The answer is 5 h 39 min
